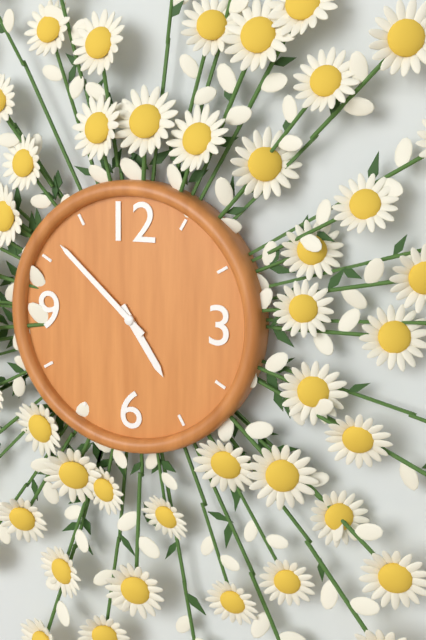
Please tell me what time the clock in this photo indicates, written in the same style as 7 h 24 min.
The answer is 4 h 52 min
